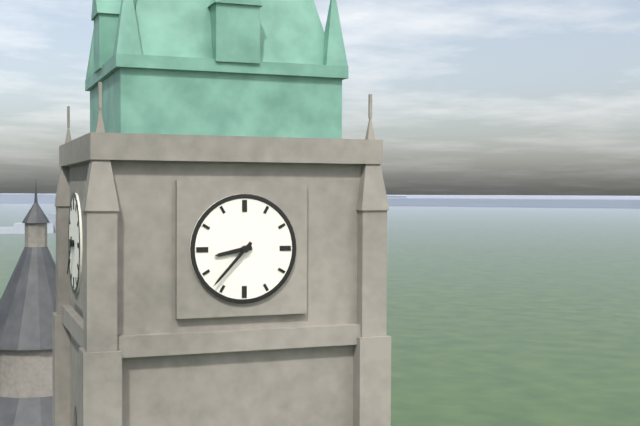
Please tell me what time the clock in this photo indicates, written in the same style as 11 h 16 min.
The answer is 8 h 37 min
